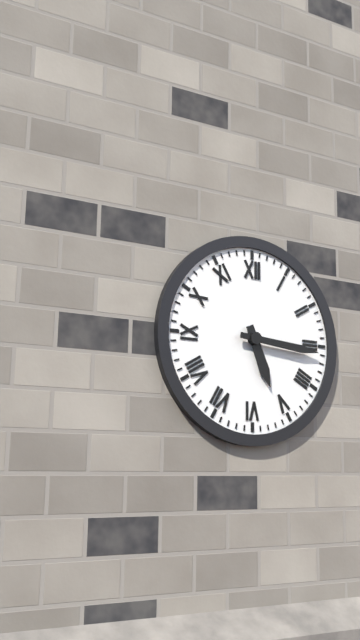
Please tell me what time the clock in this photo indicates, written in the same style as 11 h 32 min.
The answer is 5 h 16 min
